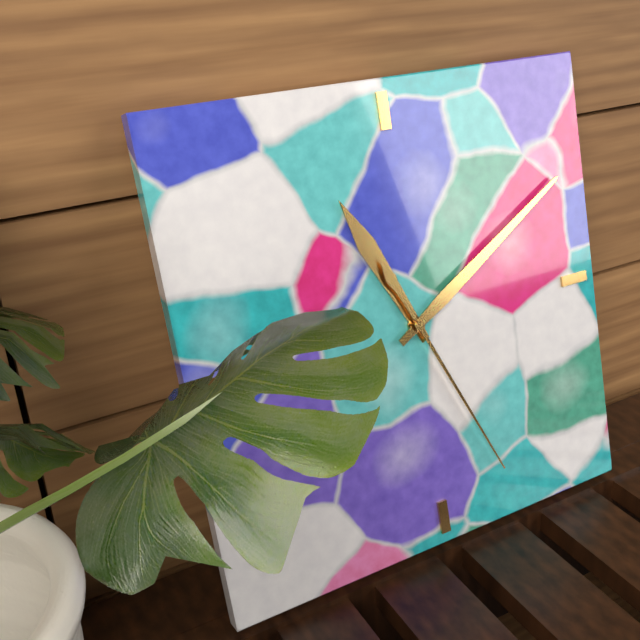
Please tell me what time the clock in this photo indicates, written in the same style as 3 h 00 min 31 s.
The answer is 11 h 10 min 26 s
